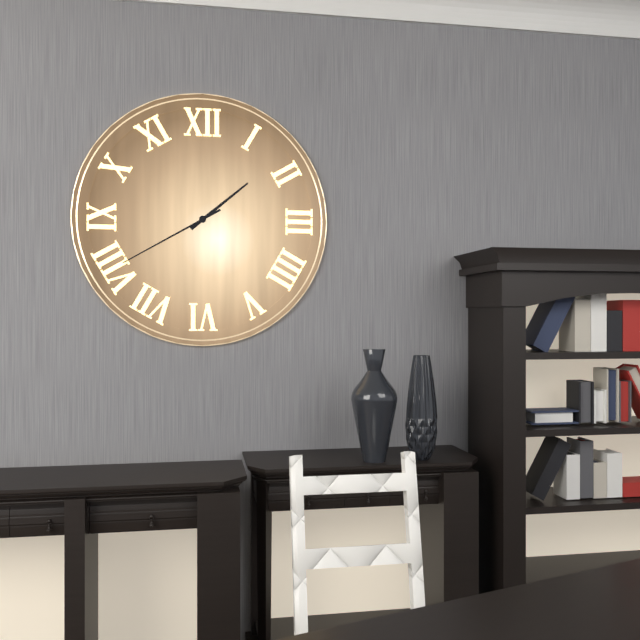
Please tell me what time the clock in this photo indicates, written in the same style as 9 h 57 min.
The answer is 1 h 40 min
